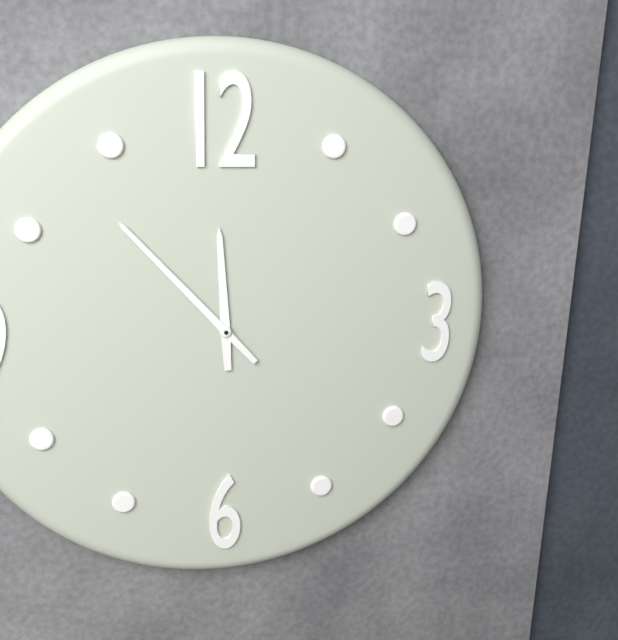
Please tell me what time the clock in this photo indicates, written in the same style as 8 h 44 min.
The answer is 11 h 53 min
